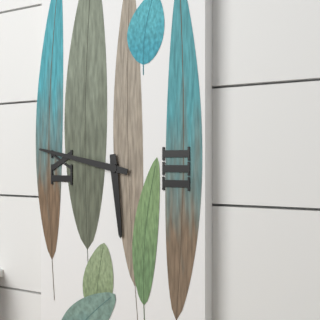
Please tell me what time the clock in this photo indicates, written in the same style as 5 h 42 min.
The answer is 5 h 47 min
